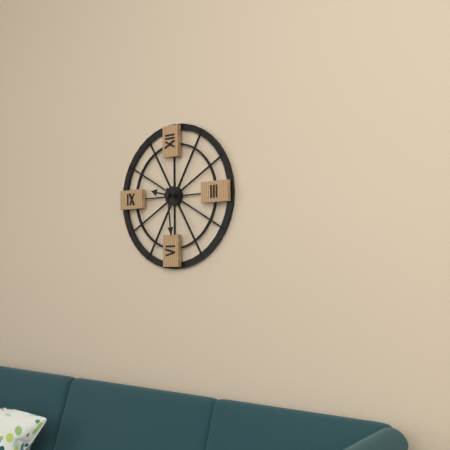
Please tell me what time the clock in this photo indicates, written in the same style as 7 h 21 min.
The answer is 9 h 29 min
